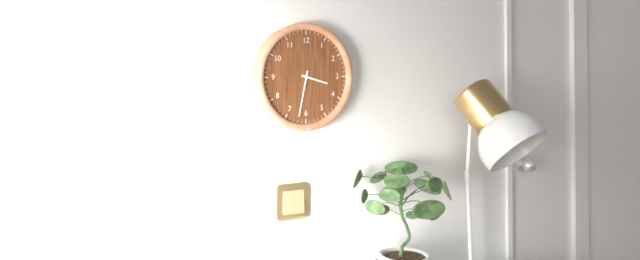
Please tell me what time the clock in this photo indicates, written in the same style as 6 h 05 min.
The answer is 3 h 32 min
